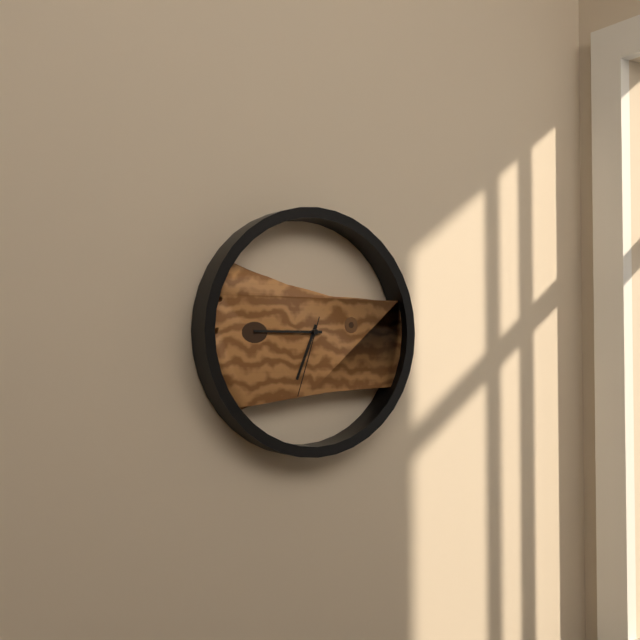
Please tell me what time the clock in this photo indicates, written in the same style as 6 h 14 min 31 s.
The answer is 6 h 45 min 33 s
